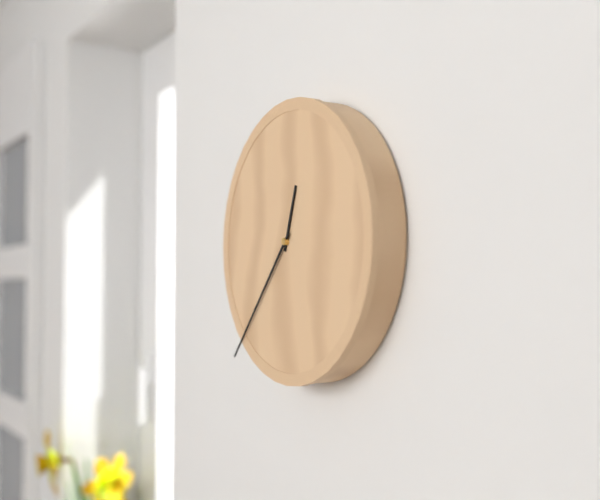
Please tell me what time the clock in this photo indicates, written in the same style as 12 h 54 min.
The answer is 12 h 37 min
